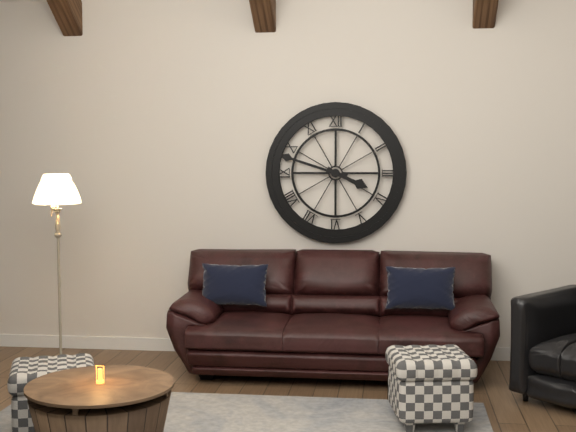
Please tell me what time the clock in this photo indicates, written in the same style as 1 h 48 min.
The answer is 3 h 48 min
